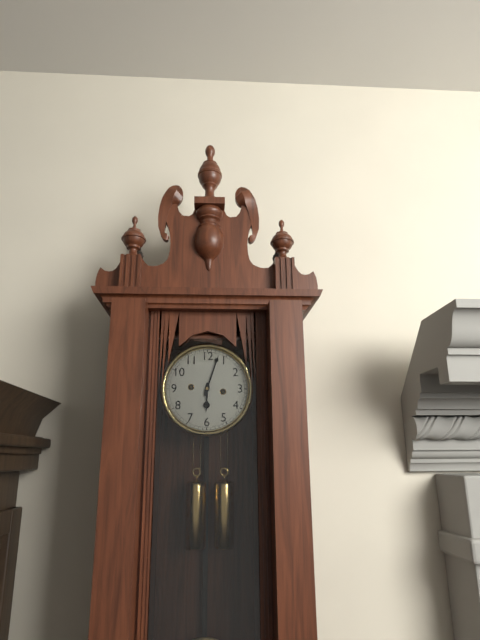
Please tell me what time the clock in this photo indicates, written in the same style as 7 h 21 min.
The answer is 6 h 03 min
